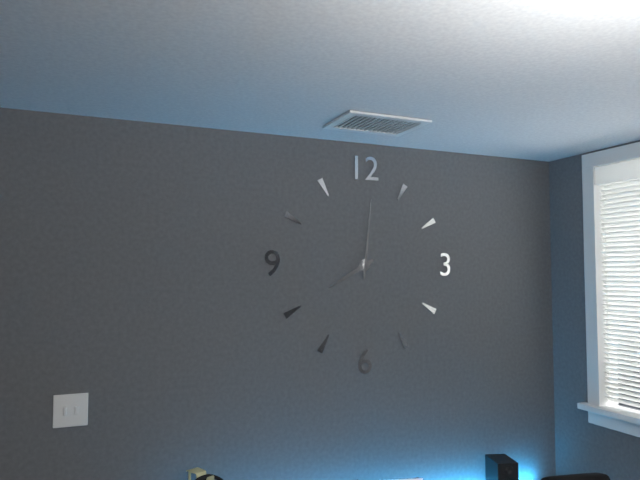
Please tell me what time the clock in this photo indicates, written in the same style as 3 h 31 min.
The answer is 8 h 01 min
